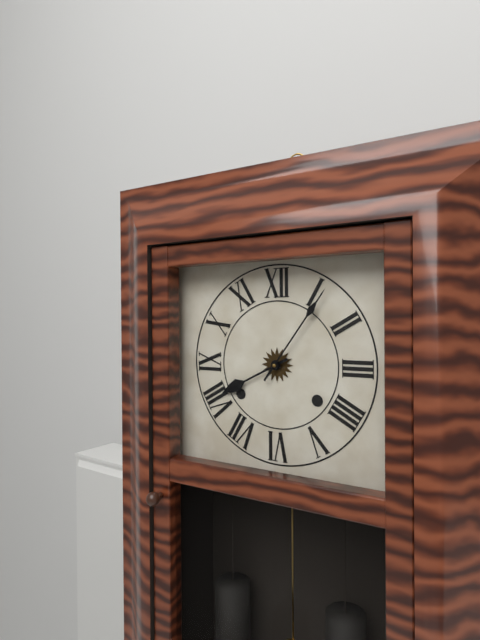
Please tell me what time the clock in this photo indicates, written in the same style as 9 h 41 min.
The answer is 8 h 06 min
